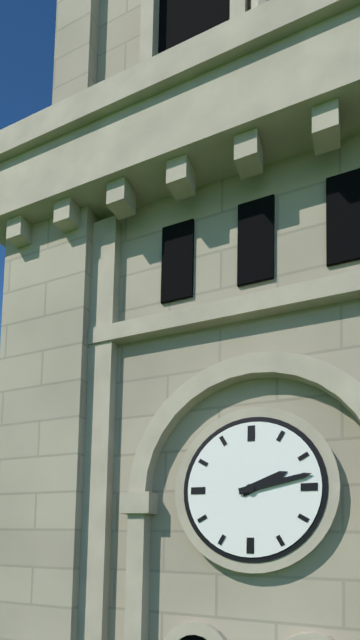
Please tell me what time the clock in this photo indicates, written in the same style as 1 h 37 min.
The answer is 2 h 13 min
